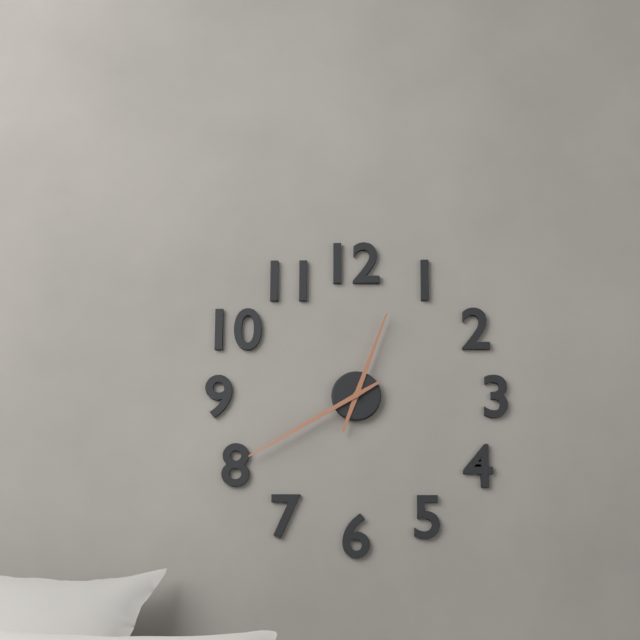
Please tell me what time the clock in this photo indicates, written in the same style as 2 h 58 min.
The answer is 12 h 40 min
